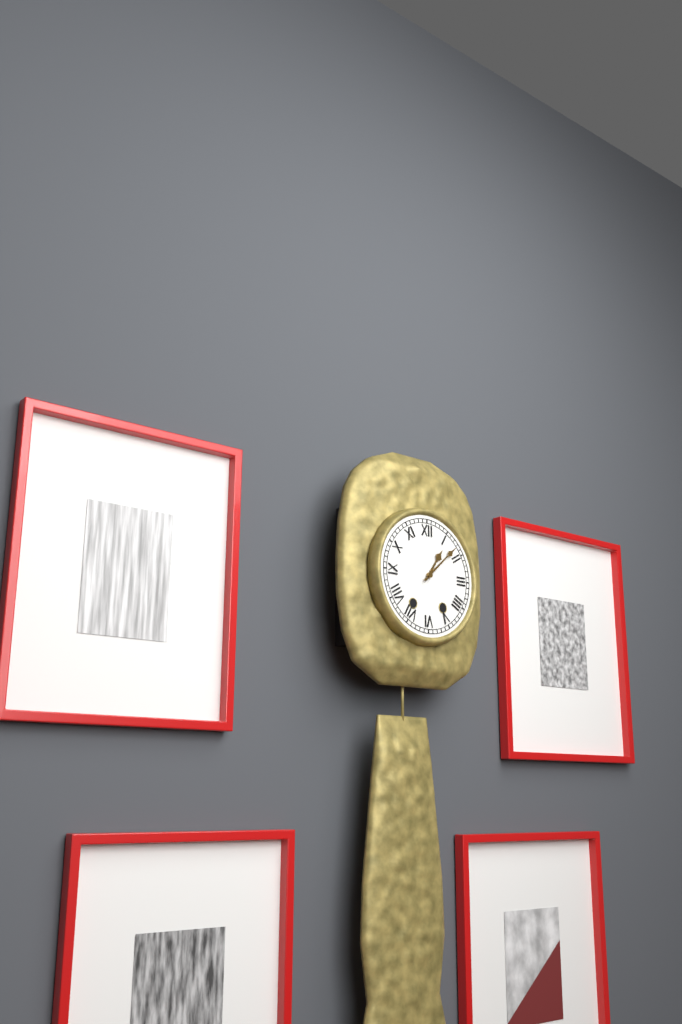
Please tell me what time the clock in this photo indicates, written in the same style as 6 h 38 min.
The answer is 1 h 08 min
